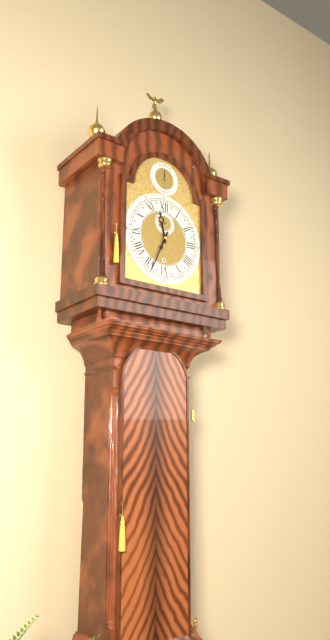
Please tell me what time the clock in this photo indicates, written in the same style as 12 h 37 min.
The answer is 11 h 34 min
